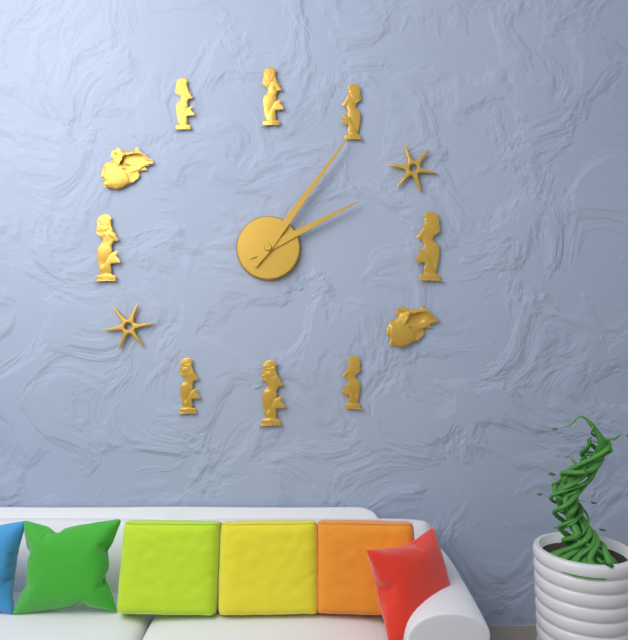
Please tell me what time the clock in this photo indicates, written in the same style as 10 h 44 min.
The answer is 2 h 06 min
